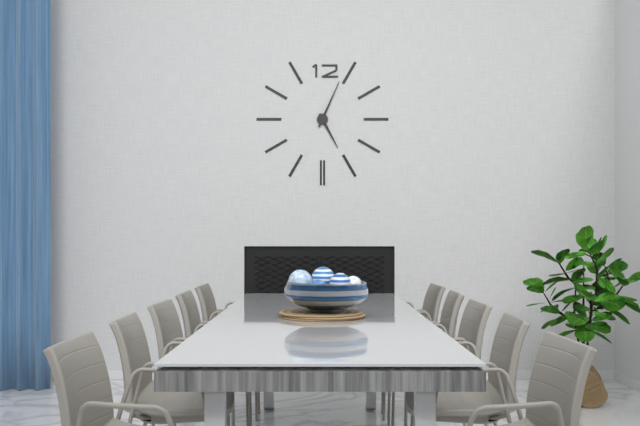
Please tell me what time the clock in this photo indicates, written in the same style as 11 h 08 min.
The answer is 5 h 04 min
